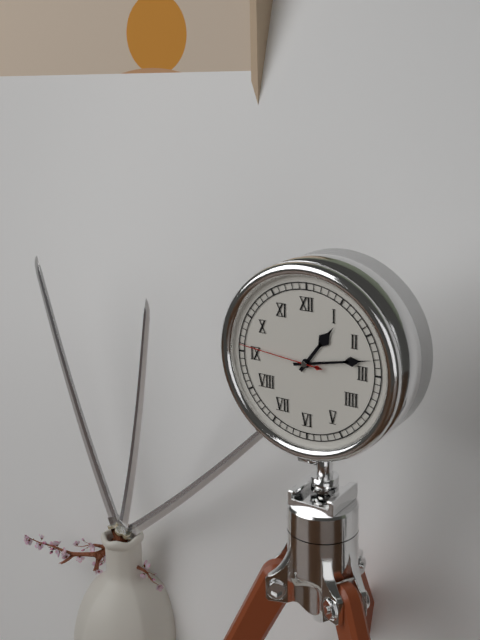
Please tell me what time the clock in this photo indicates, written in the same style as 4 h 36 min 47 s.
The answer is 1 h 13 min 46 s
